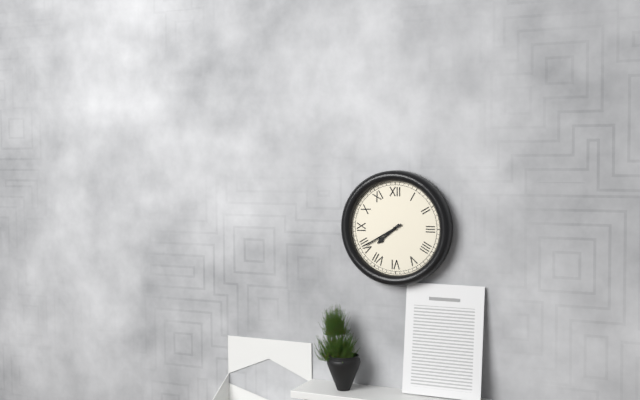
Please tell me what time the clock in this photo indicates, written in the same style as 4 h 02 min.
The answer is 7 h 40 min
